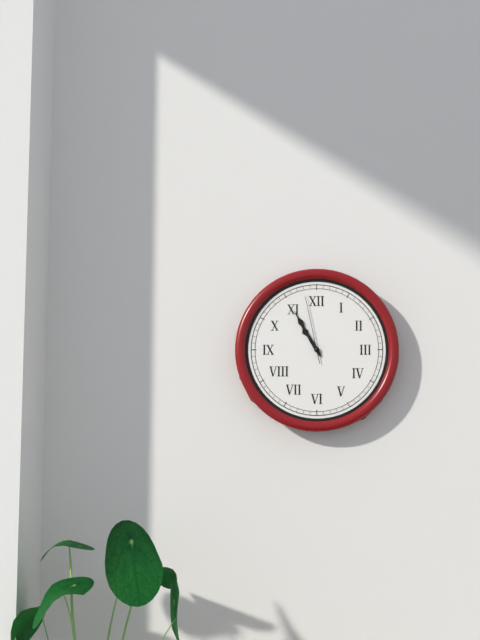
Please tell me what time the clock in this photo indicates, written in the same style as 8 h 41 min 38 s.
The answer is 10 h 55 min 58 s
